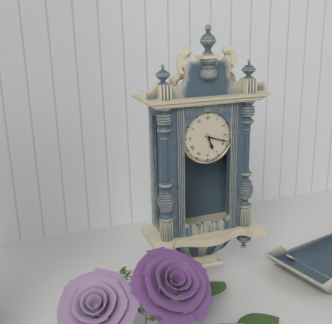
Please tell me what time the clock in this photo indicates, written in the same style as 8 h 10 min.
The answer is 5 h 18 min
